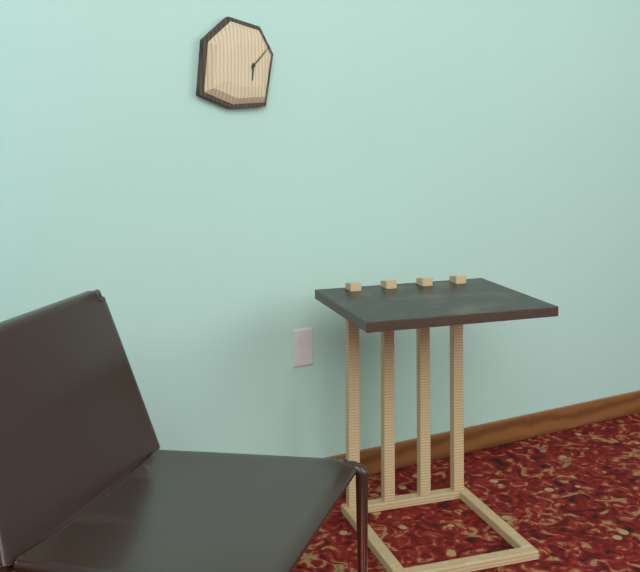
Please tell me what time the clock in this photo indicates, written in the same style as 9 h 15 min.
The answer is 6 h 07 min
